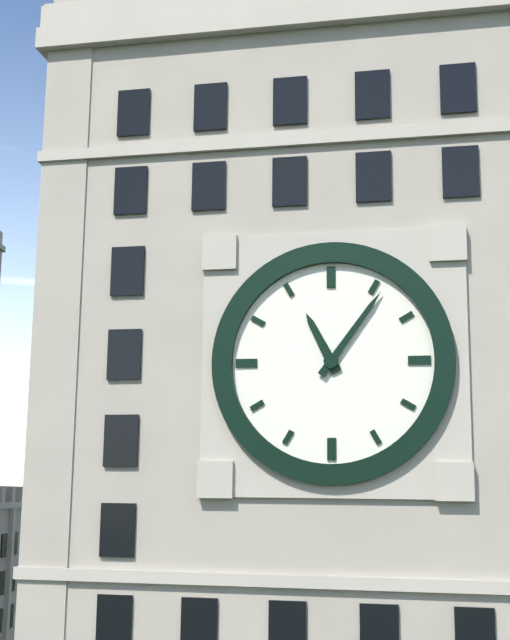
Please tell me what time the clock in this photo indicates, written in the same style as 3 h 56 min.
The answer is 11 h 06 min
